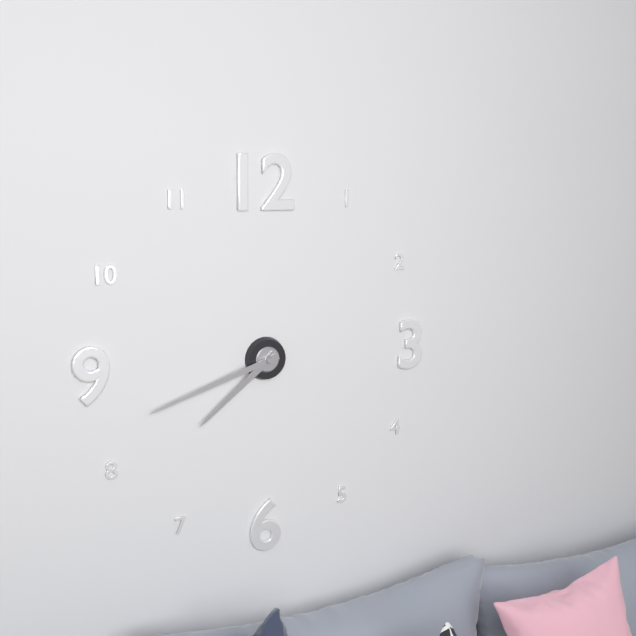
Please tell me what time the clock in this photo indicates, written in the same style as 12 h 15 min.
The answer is 7 h 42 min
